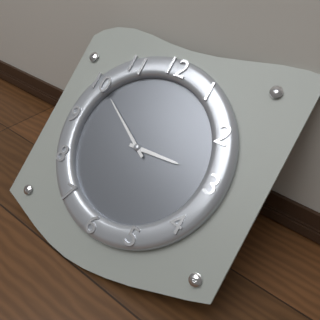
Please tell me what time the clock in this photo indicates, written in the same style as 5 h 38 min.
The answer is 2 h 50 min
